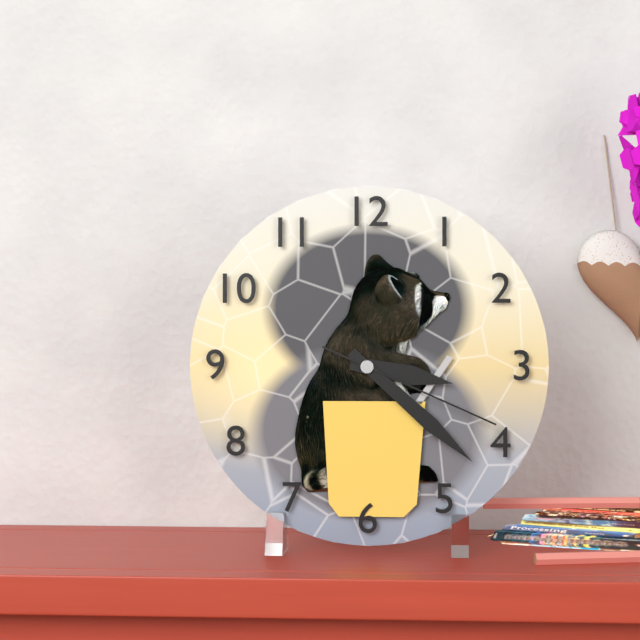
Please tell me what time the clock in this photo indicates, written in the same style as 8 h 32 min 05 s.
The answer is 3 h 22 min 19 s
